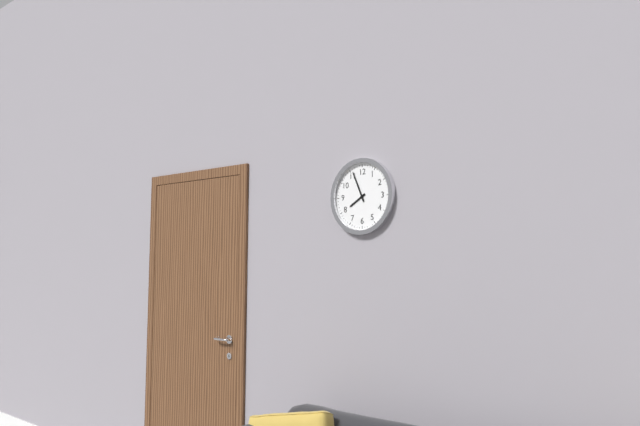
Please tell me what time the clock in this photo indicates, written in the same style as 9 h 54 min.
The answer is 7 h 56 min
